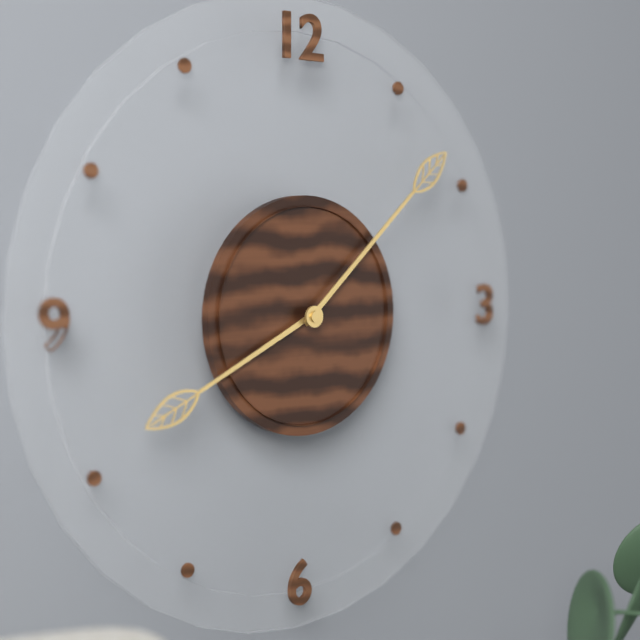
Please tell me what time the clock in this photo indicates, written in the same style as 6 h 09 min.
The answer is 8 h 08 min
